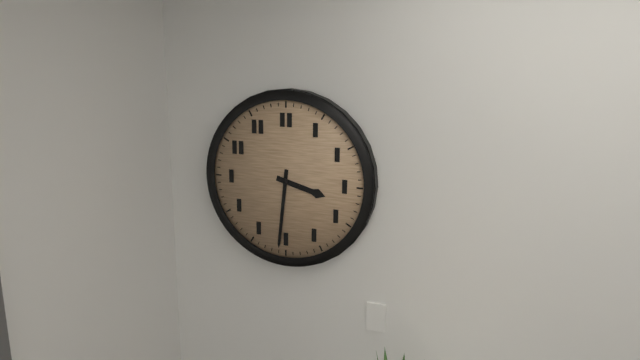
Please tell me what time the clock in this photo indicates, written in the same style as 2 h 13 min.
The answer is 3 h 31 min
